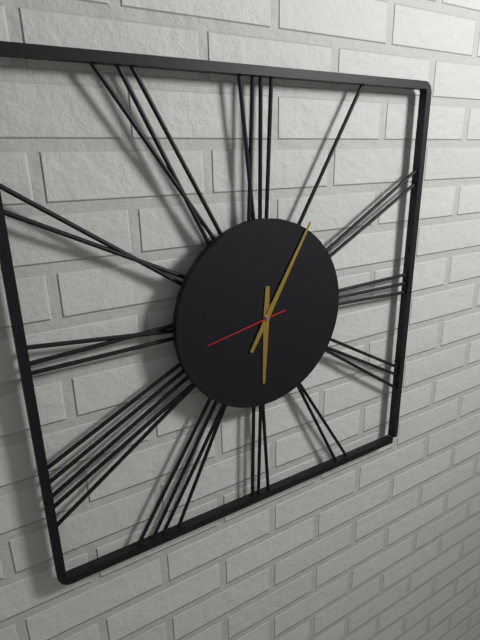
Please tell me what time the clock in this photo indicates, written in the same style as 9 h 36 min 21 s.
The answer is 6 h 05 min 43 s
